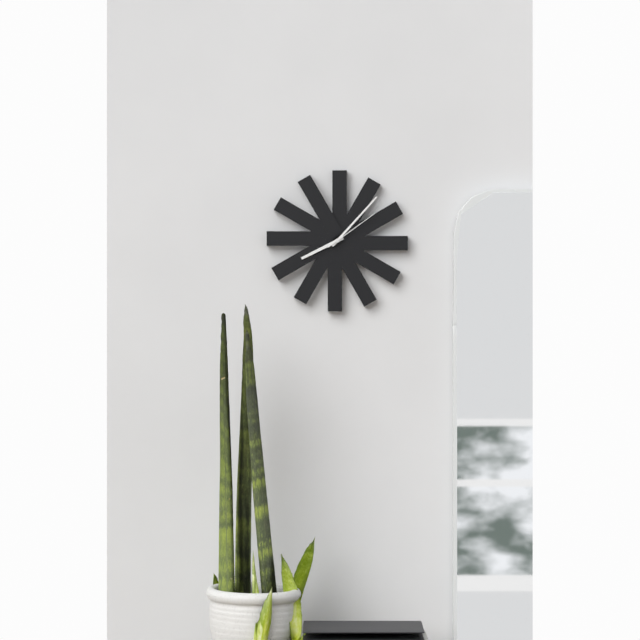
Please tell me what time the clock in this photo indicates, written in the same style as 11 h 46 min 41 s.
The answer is 8 h 07 min 09 s
